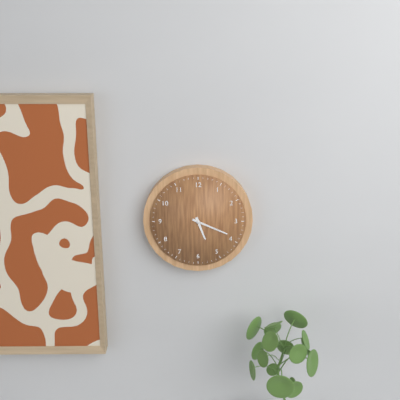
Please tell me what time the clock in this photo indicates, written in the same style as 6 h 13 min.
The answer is 5 h 19 min
